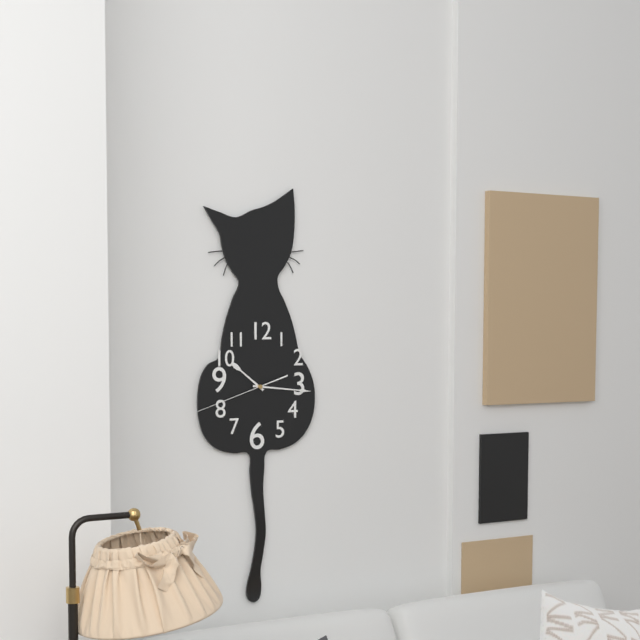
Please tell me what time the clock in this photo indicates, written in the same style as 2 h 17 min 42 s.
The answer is 10 h 16 min 42 s
